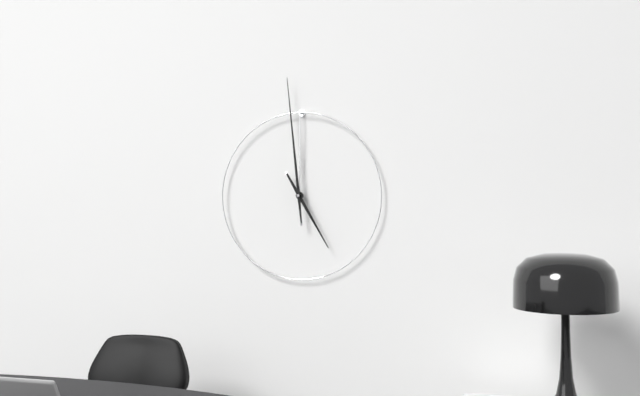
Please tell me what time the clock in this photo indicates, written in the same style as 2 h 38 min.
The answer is 4 h 59 min
